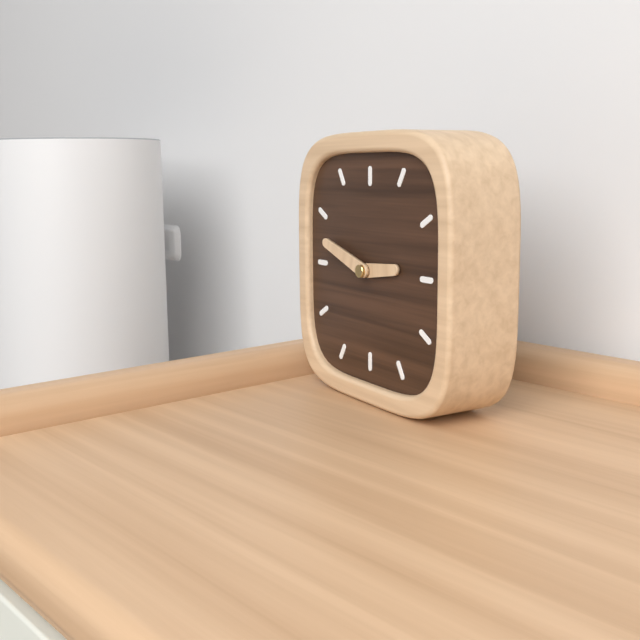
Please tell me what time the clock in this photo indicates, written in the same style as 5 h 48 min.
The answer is 2 h 48 min
